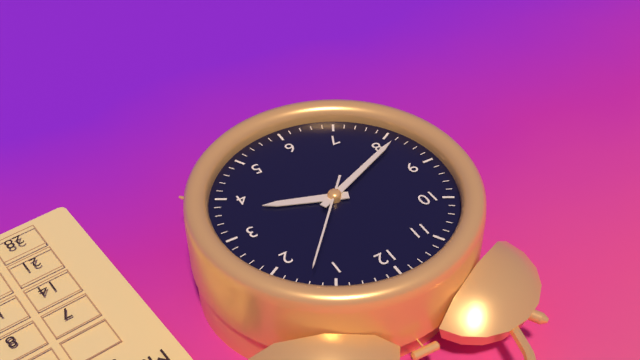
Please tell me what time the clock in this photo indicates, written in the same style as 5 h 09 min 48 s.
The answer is 3 h 41 min 07 s
